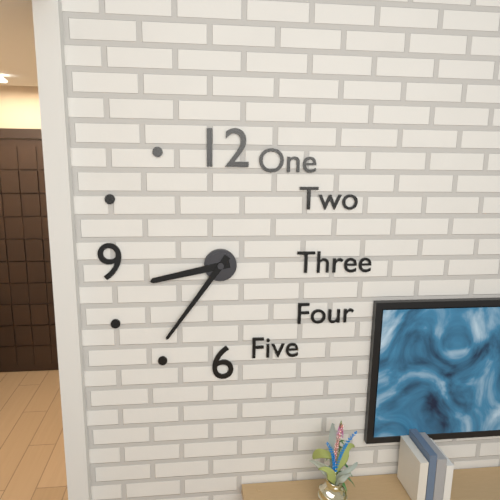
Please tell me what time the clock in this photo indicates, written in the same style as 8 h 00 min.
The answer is 8 h 36 min
